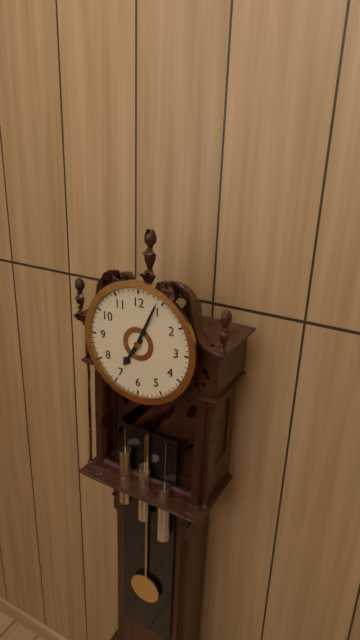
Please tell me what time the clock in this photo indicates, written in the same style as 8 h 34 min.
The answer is 7 h 04 min
